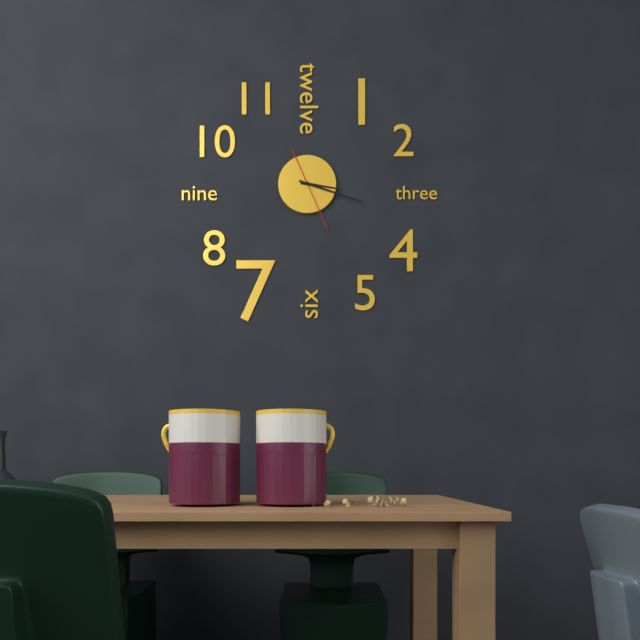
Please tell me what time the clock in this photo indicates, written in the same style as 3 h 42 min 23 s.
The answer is 3 h 18 min 26 s
